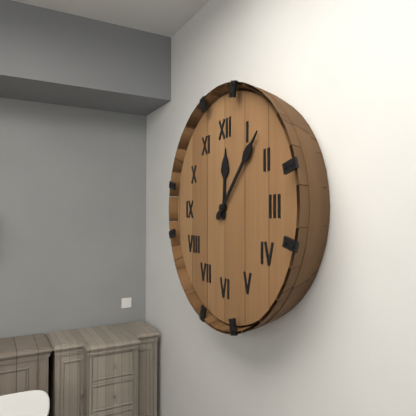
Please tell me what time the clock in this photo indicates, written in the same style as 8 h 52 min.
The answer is 12 h 07 min
